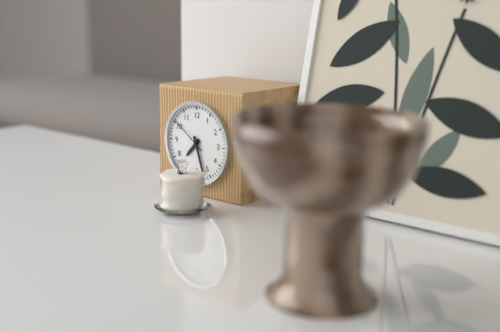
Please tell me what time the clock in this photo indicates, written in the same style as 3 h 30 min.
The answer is 7 h 27 min
